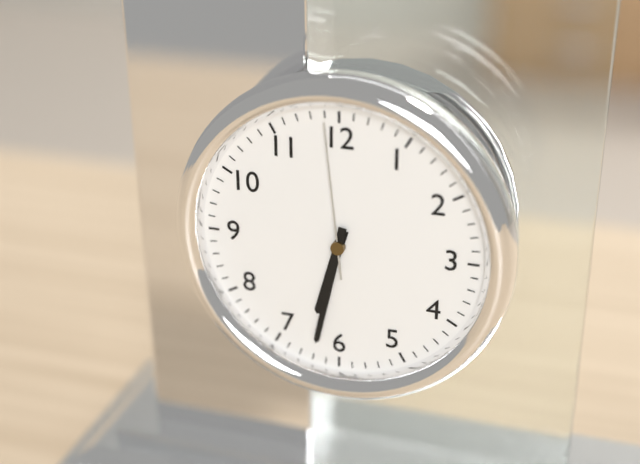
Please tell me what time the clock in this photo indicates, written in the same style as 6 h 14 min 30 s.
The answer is 6 h 32 min 59 s
